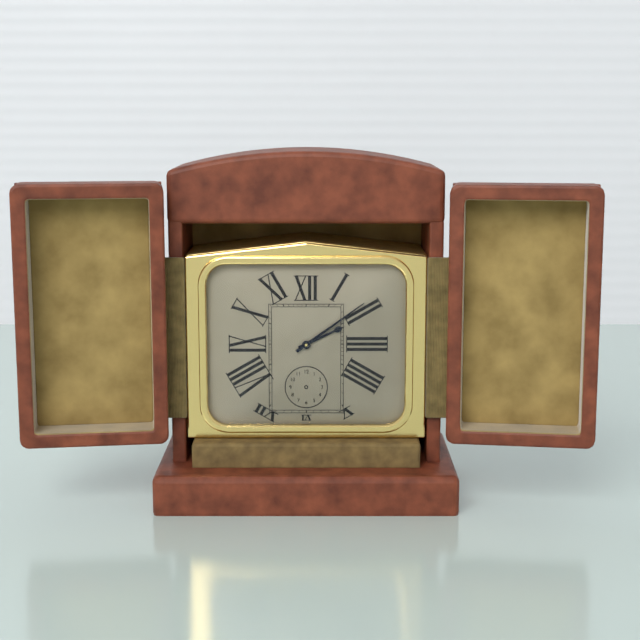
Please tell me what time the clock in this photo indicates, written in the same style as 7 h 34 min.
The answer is 2 h 09 min
